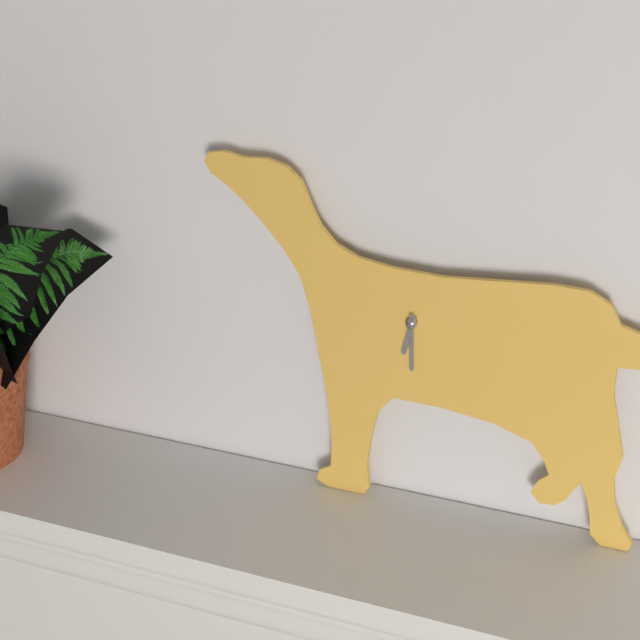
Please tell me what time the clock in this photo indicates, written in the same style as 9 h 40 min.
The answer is 6 h 30 min
